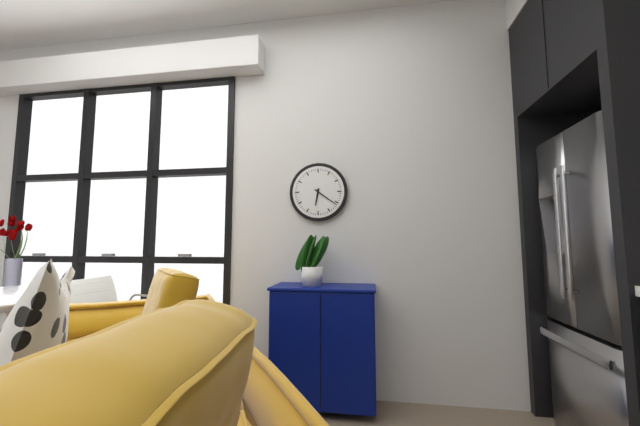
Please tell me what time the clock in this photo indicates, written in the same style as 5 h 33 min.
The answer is 6 h 21 min
